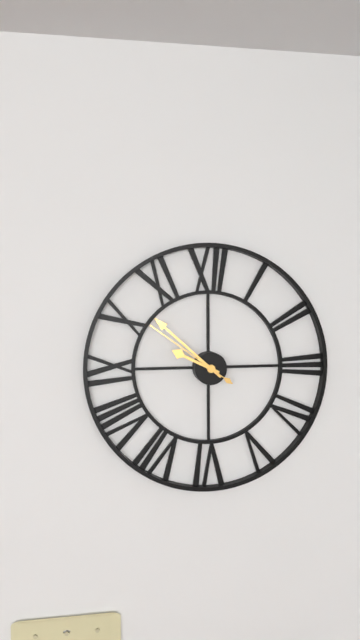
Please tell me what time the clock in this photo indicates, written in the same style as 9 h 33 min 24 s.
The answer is 9 h 52 min 51 s
